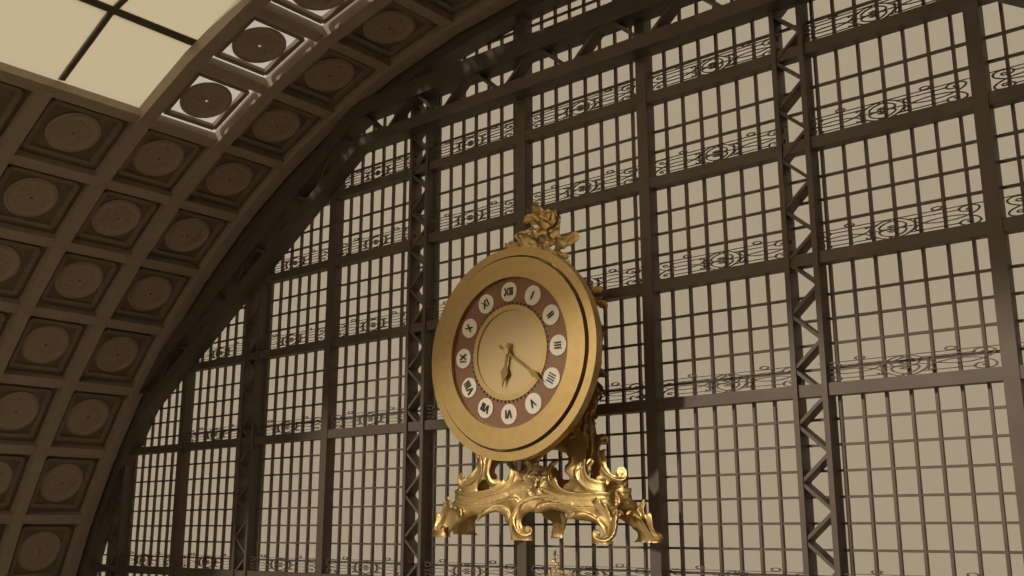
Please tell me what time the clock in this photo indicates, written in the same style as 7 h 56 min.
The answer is 6 h 21 min
